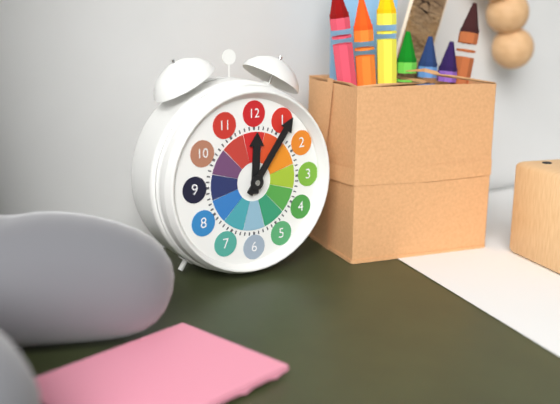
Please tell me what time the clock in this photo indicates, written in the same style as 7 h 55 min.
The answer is 12 h 06 min
